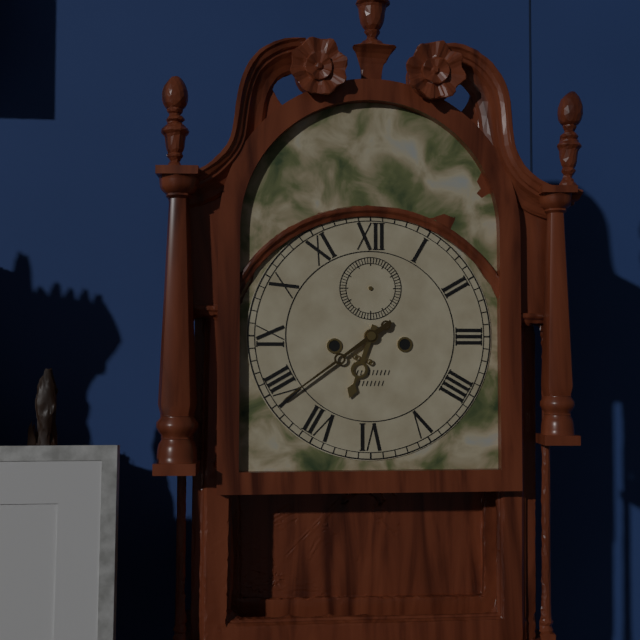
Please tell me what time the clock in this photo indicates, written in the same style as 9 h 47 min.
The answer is 6 h 39 min
